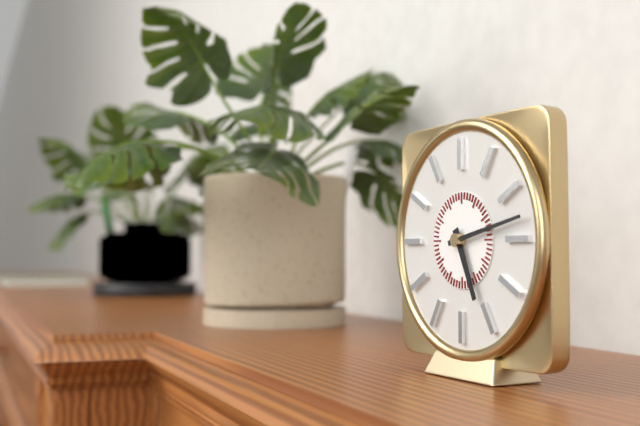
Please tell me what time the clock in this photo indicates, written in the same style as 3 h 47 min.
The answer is 5 h 13 min
